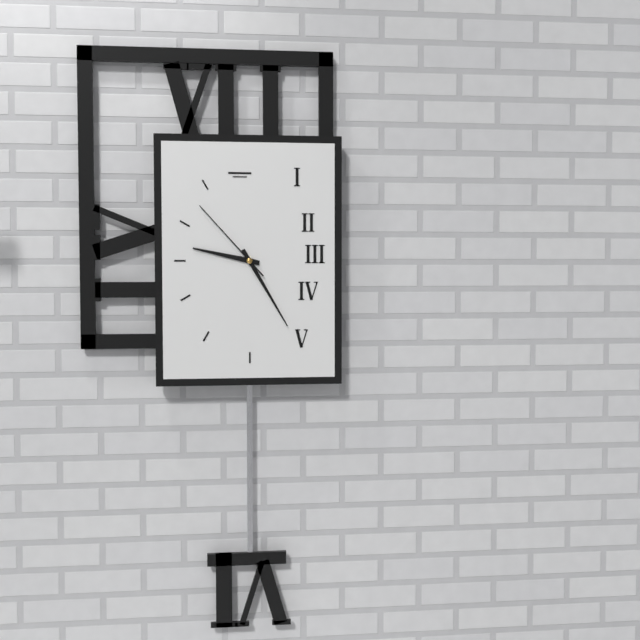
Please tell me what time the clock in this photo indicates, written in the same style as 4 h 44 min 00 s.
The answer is 9 h 25 min 53 s
